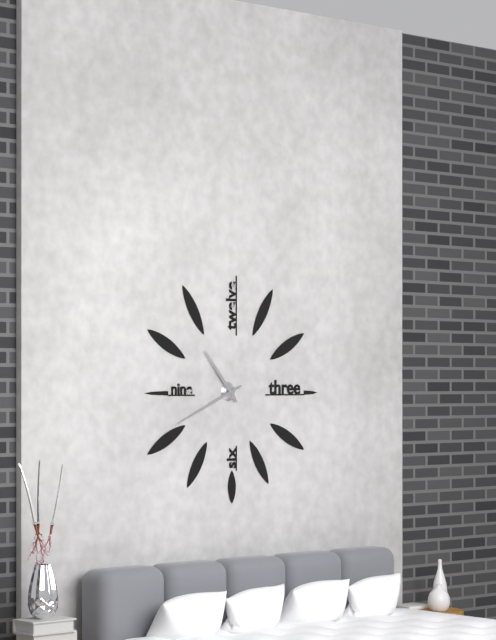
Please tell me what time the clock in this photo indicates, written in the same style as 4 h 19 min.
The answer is 10 h 41 min
